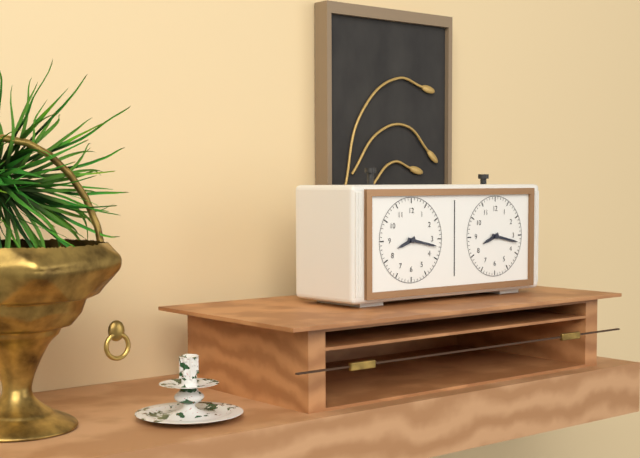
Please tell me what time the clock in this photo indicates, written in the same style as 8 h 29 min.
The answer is 8 h 17 min
